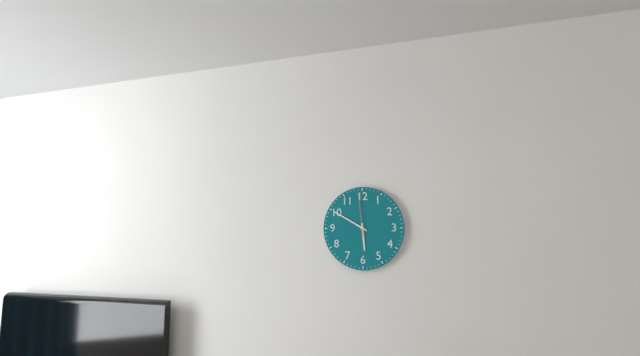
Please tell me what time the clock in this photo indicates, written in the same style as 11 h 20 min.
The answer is 5 h 50 min
